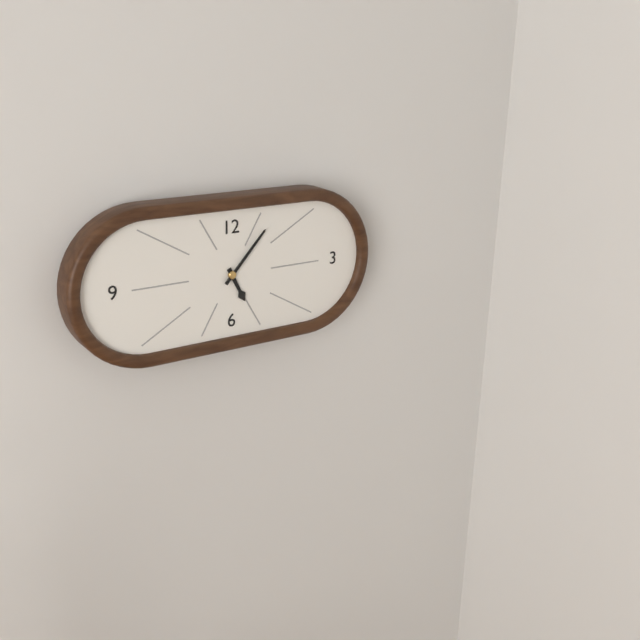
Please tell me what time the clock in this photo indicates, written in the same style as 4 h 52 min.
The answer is 5 h 07 min
